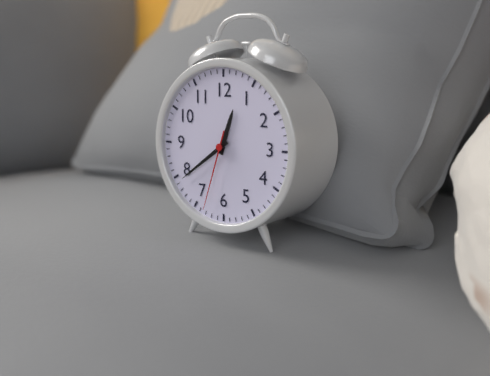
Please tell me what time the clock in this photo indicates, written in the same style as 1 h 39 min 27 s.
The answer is 12 h 39 min 33 s
